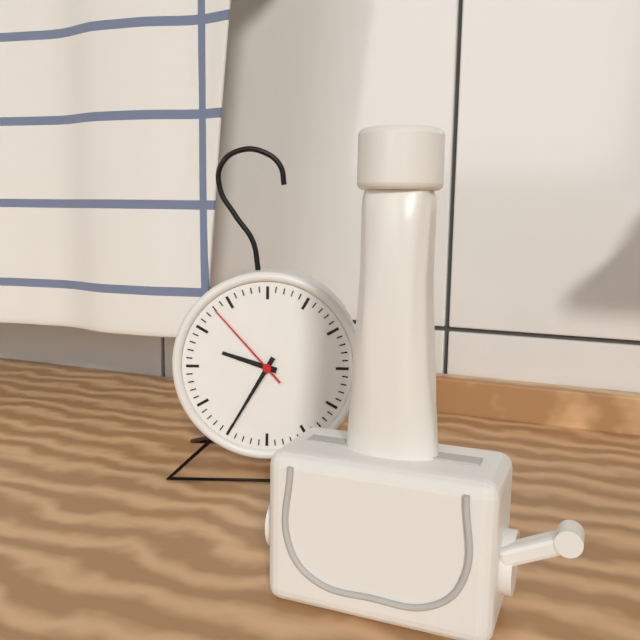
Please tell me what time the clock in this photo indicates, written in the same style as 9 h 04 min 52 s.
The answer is 9 h 35 min 53 s
